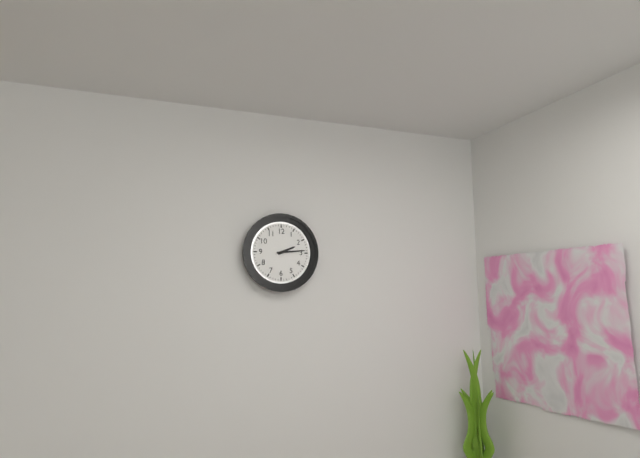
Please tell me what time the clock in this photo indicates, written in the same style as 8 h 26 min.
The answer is 2 h 14 min
